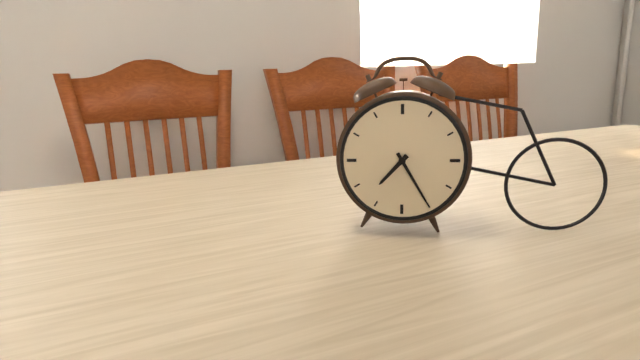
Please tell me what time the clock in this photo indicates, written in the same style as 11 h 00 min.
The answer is 7 h 25 min
